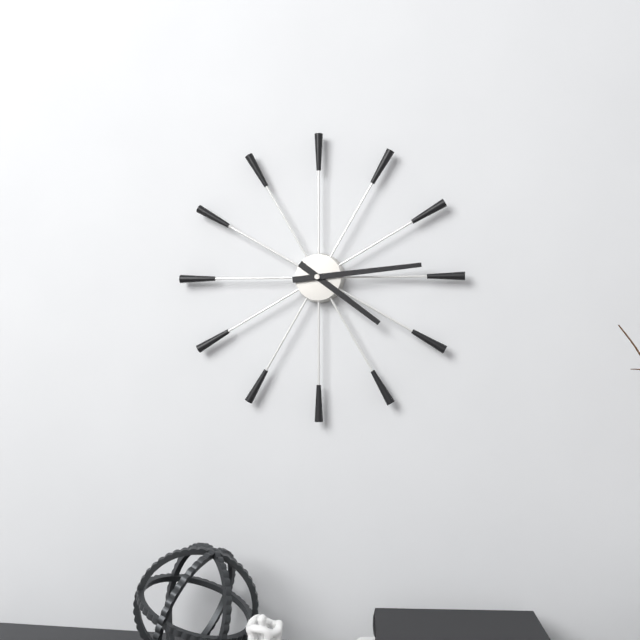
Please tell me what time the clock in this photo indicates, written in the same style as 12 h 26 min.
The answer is 4 h 14 min
